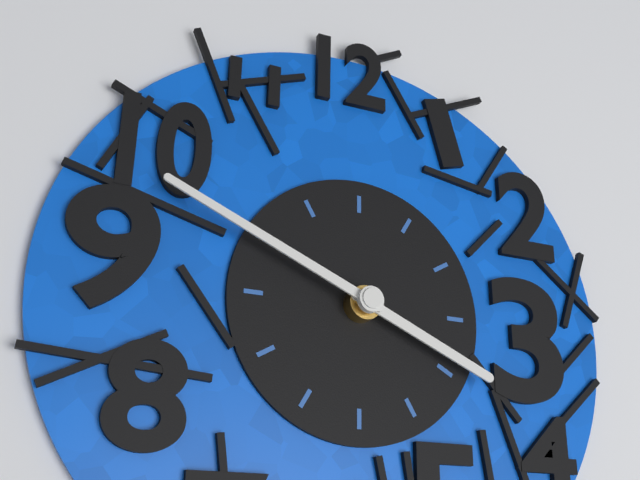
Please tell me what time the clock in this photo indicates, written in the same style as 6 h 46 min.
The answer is 3 h 49 min
